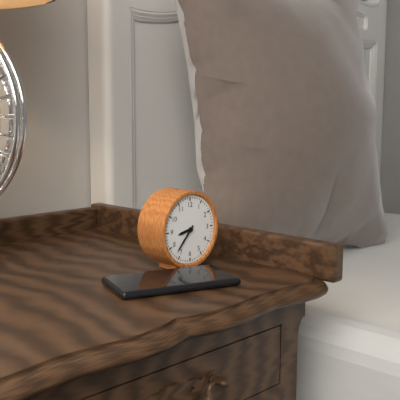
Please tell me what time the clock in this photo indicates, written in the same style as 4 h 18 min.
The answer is 8 h 37 min
